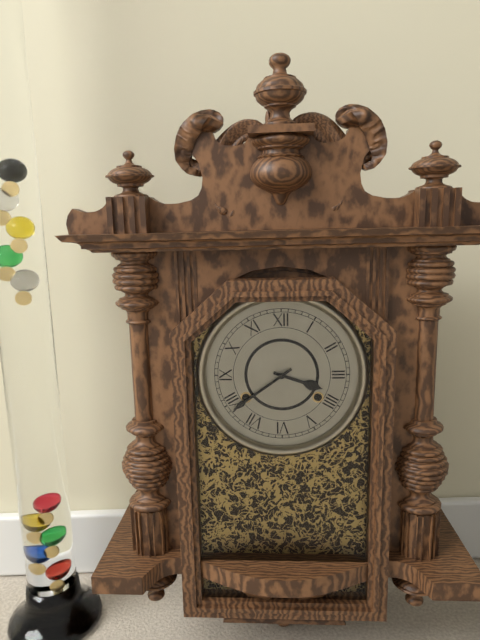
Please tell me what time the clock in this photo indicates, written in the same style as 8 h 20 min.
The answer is 3 h 39 min
